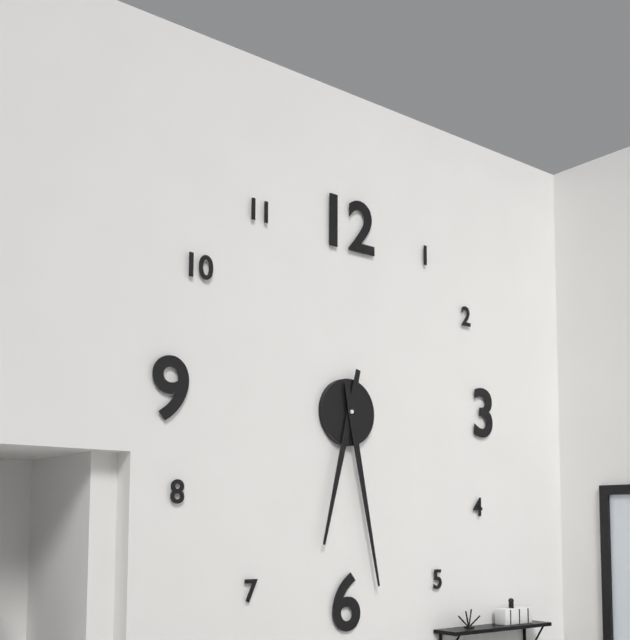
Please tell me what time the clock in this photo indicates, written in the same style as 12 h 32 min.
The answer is 6 h 28 min
